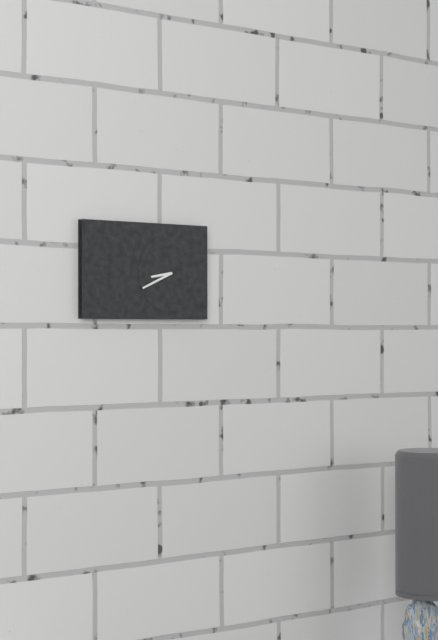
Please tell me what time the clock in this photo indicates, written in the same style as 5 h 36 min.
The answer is 8 h 41 min
